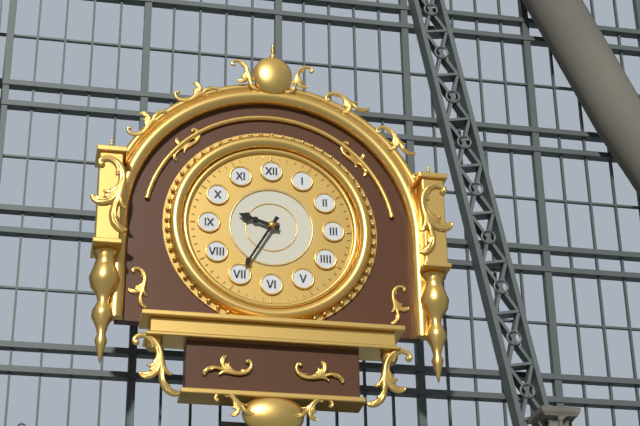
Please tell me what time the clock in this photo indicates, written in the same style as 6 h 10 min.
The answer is 9 h 35 min
